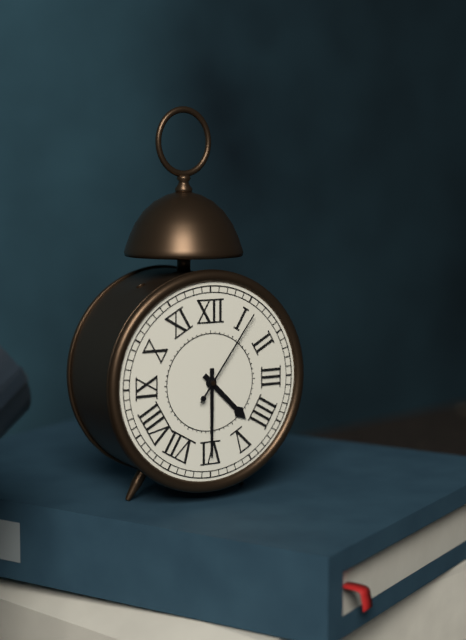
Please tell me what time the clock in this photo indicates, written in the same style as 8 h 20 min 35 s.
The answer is 4 h 30 min 06 s
